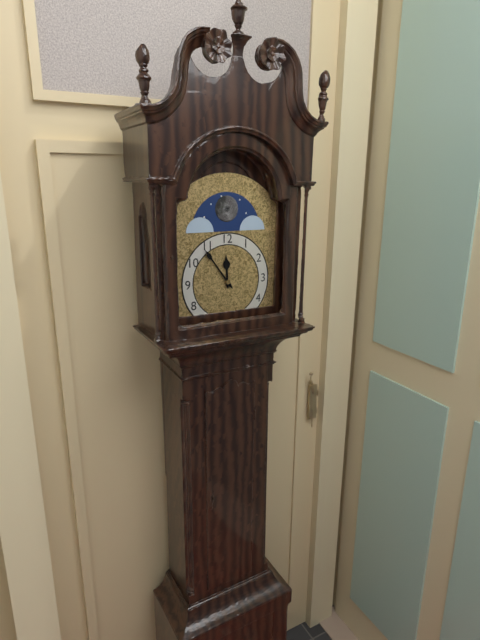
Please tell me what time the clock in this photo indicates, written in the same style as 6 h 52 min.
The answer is 11 h 54 min
